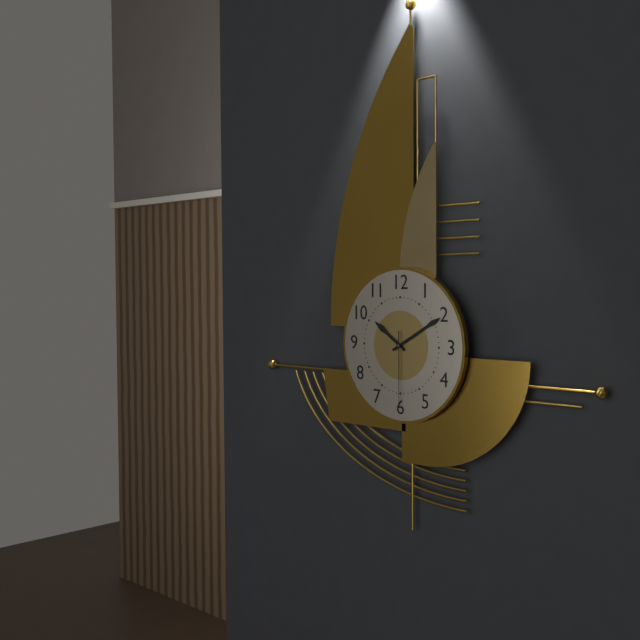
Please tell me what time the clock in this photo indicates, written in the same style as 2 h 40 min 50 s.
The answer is 10 h 10 min 30 s
